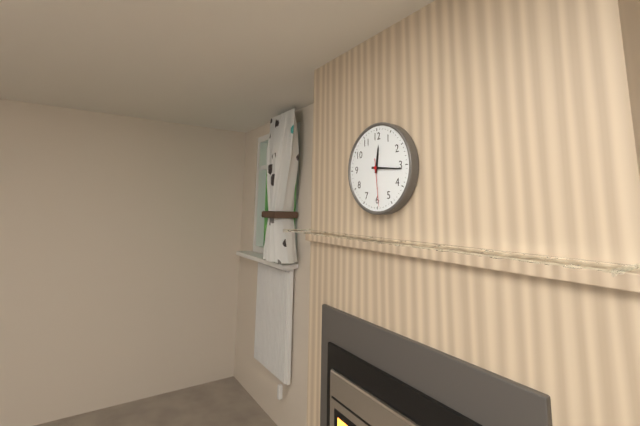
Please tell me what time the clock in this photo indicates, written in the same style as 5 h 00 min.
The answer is 12 h 16 min
